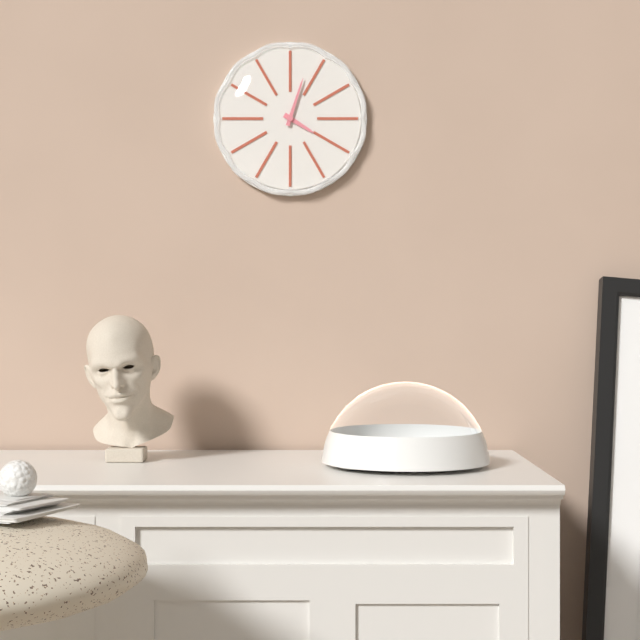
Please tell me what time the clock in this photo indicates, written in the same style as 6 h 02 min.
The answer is 4 h 03 min
